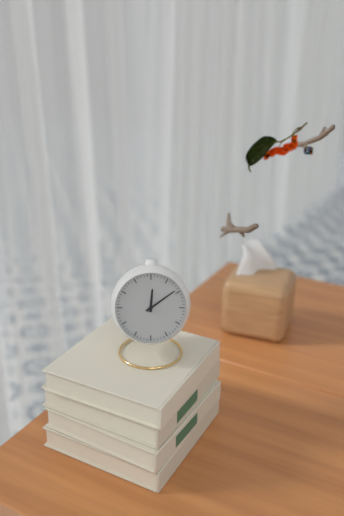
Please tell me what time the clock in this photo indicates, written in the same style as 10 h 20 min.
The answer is 12 h 09 min
